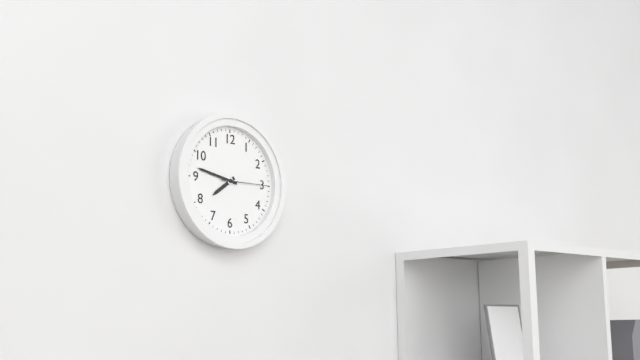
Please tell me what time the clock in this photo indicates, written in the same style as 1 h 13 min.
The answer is 7 h 47 min
